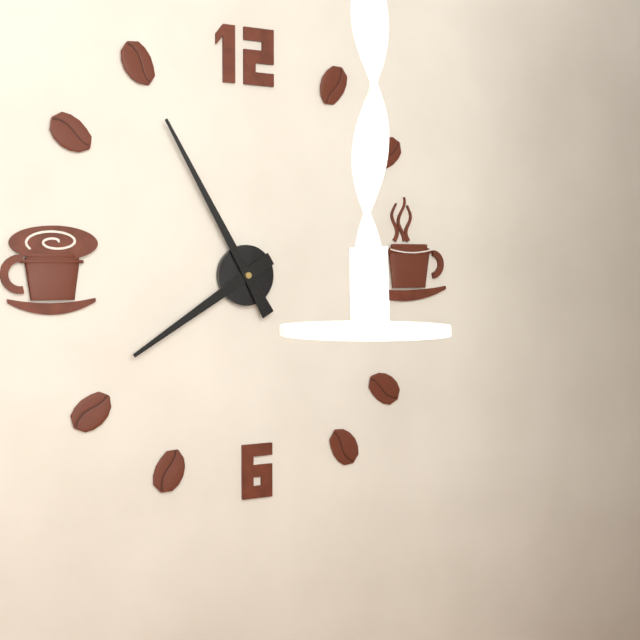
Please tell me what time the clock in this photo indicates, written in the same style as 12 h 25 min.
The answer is 7 h 55 min
